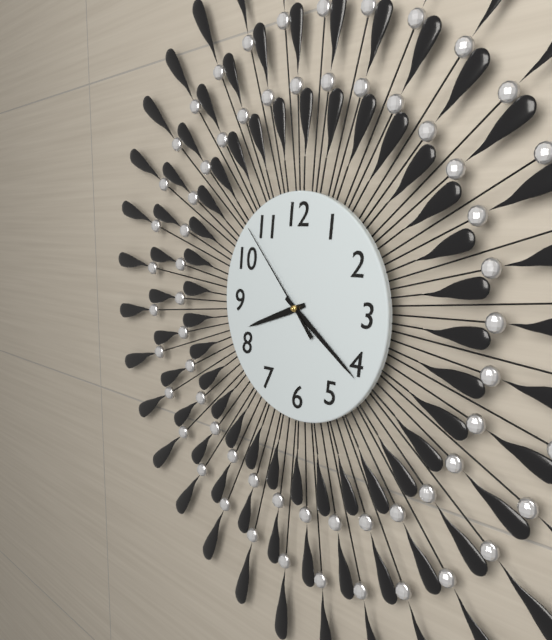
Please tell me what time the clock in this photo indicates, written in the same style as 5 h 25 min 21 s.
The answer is 8 h 21 min 53 s
